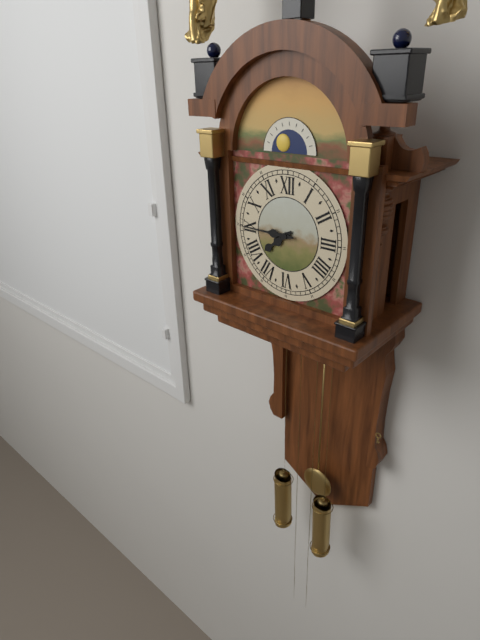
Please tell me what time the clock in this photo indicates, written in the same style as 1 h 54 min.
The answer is 7 h 45 min
